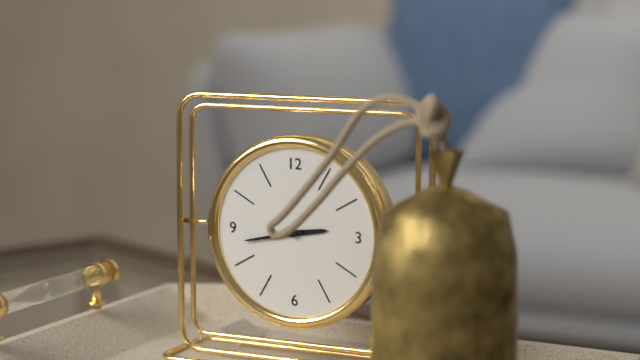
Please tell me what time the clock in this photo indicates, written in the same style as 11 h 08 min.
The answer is 2 h 43 min
